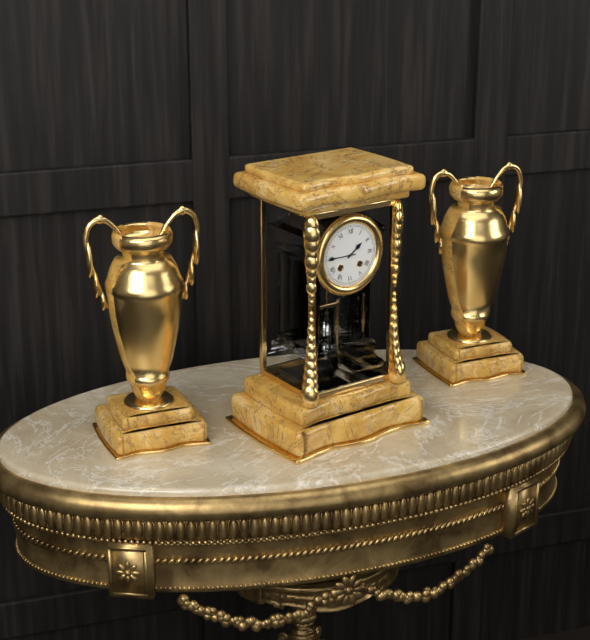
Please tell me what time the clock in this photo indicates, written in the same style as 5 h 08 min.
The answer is 1 h 45 min
